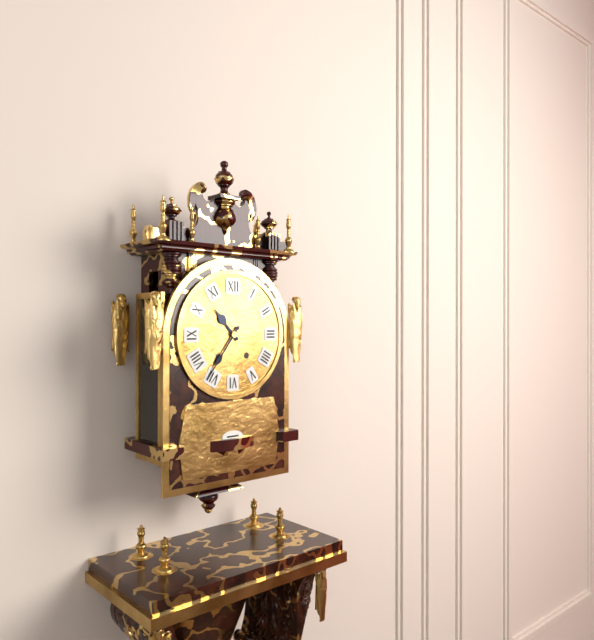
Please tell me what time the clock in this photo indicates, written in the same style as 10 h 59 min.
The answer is 10 h 36 min
